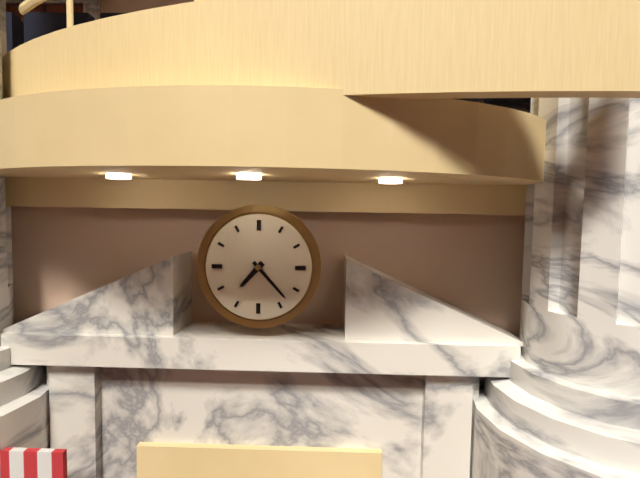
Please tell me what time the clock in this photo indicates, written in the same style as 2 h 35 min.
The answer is 7 h 23 min
